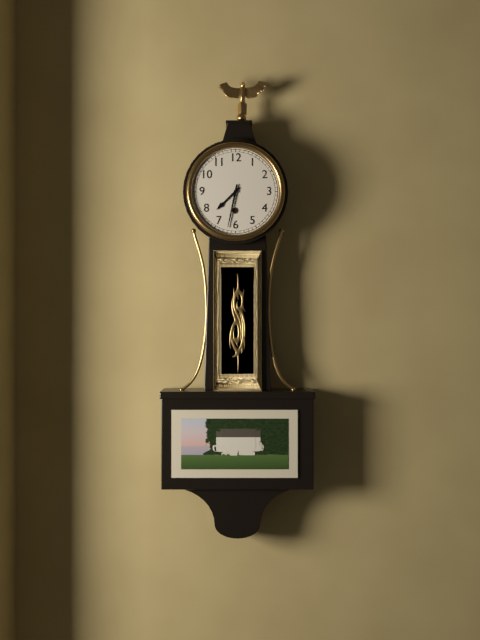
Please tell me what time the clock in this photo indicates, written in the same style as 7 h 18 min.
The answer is 7 h 32 min
